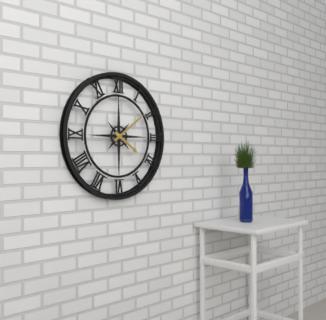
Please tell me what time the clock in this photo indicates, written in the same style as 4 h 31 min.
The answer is 4 h 09 min
